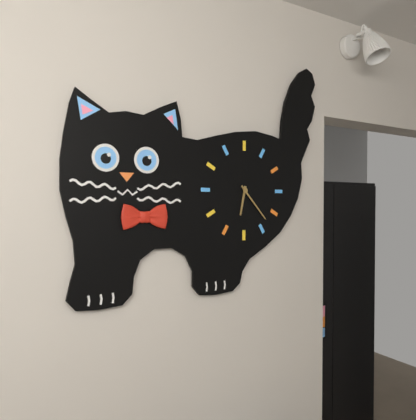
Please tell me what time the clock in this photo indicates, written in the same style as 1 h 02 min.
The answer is 6 h 23 min
